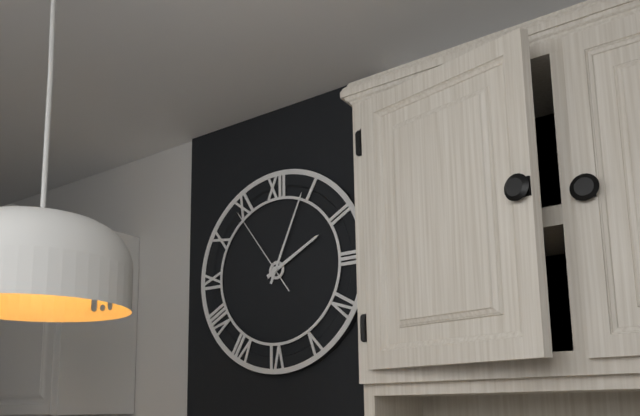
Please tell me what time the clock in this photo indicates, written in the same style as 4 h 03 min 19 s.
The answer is 2 h 04 min 54 s
